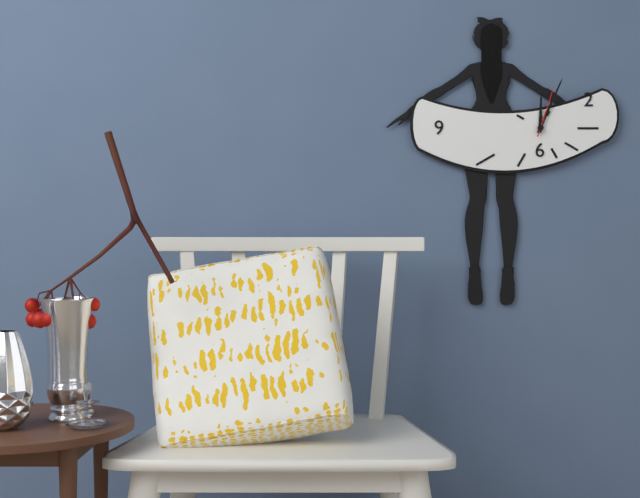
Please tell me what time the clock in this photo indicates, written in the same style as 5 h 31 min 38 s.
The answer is 12 h 04 min 03 s
